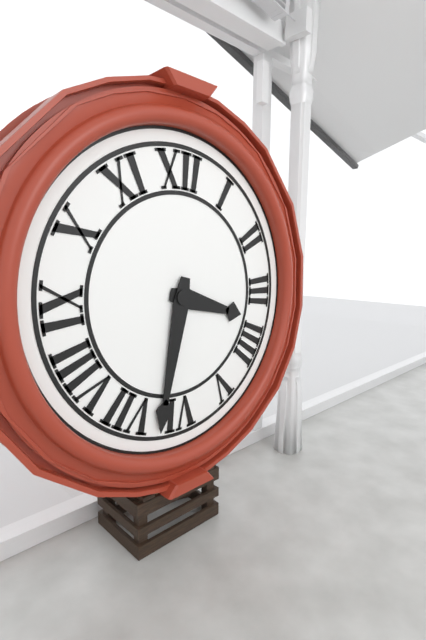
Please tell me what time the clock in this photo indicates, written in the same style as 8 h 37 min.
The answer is 3 h 32 min
